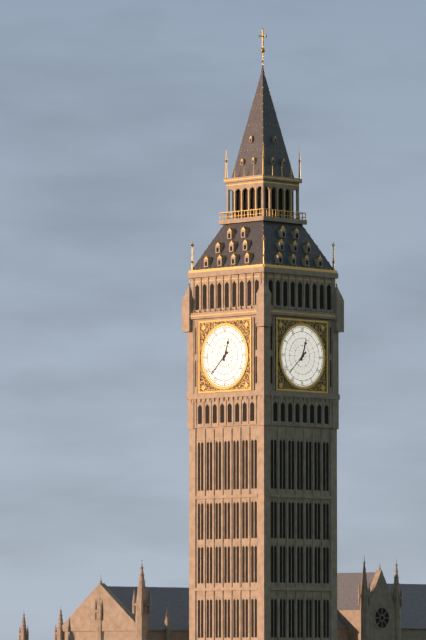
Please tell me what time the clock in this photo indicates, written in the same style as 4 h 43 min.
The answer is 12 h 38 min
